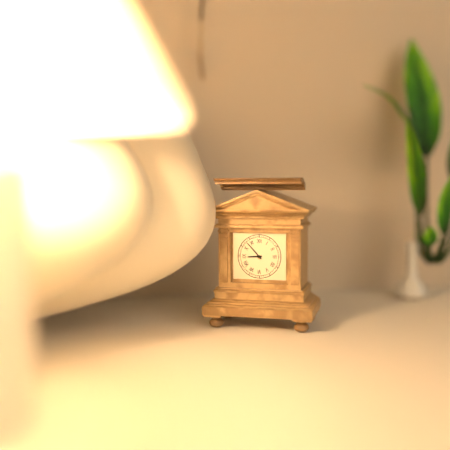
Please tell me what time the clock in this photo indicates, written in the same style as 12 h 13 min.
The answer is 8 h 53 min
